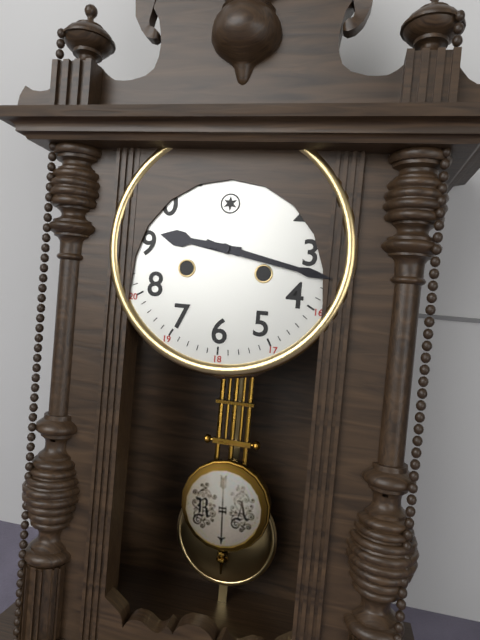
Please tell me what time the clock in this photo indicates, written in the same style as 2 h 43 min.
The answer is 9 h 17 min
